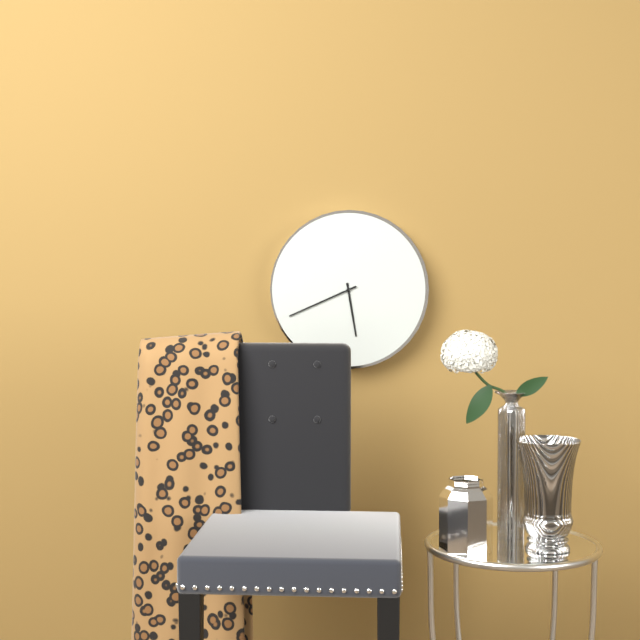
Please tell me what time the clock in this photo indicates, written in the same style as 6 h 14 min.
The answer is 5 h 41 min
